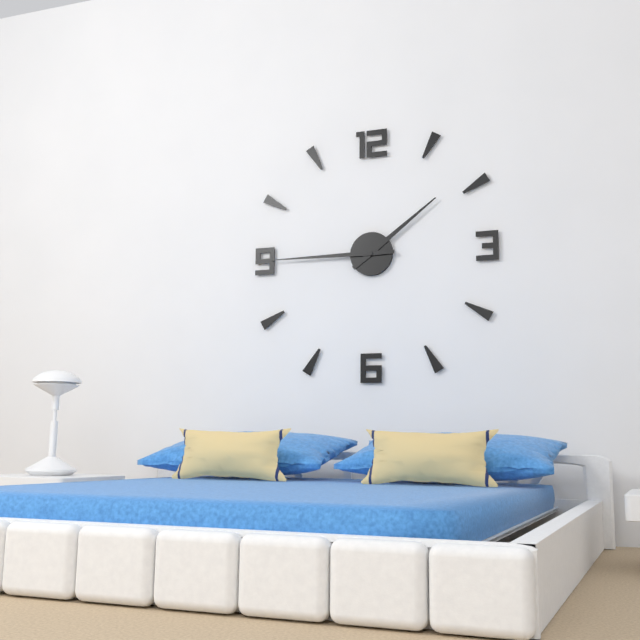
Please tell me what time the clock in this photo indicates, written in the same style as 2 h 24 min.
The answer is 1 h 45 min
